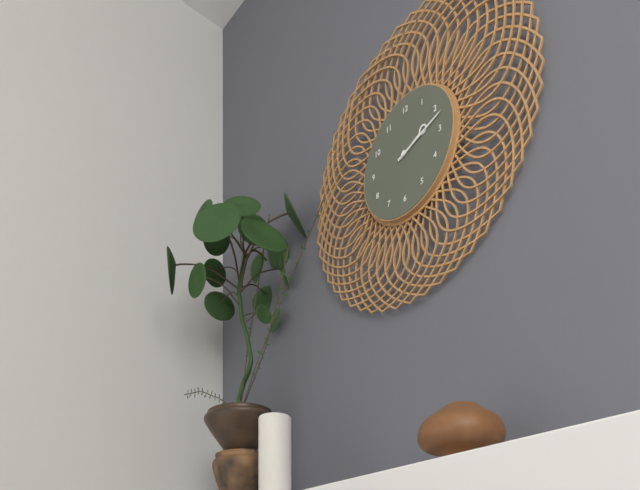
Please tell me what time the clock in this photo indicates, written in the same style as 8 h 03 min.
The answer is 2 h 12 min
